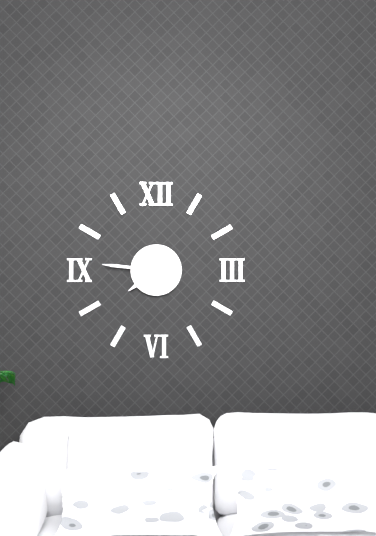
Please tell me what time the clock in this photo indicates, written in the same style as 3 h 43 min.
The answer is 7 h 46 min
